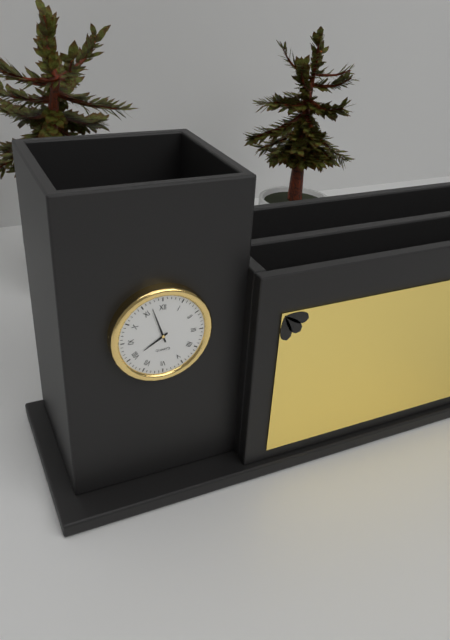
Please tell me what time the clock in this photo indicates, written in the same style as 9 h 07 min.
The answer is 7 h 57 min
